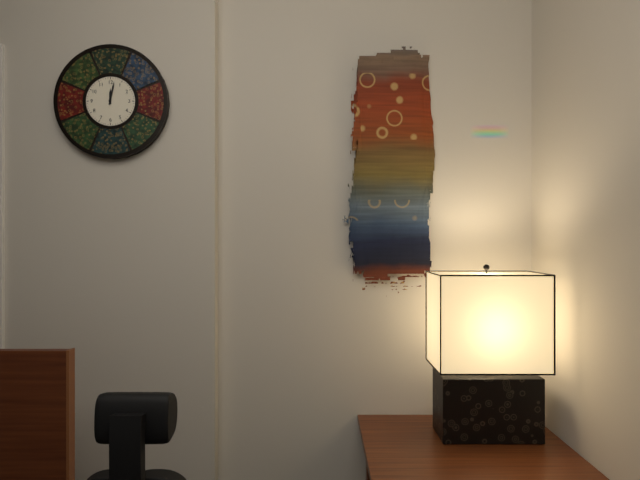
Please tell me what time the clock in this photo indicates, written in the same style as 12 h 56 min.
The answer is 12 h 02 min
